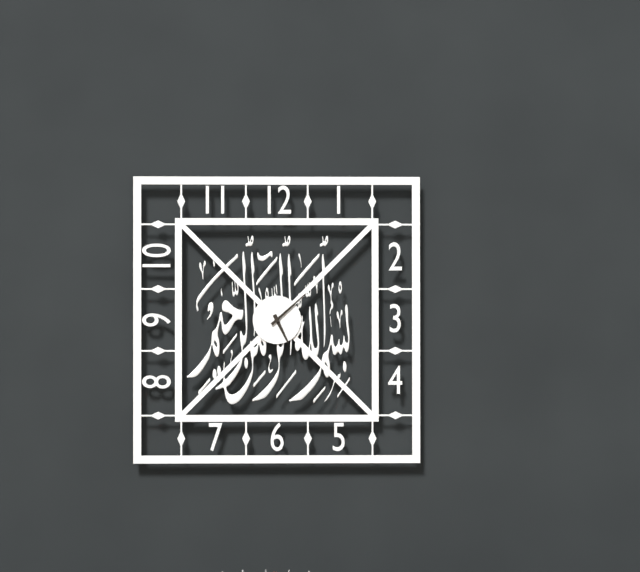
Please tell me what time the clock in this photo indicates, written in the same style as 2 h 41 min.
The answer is 5 h 08 min
